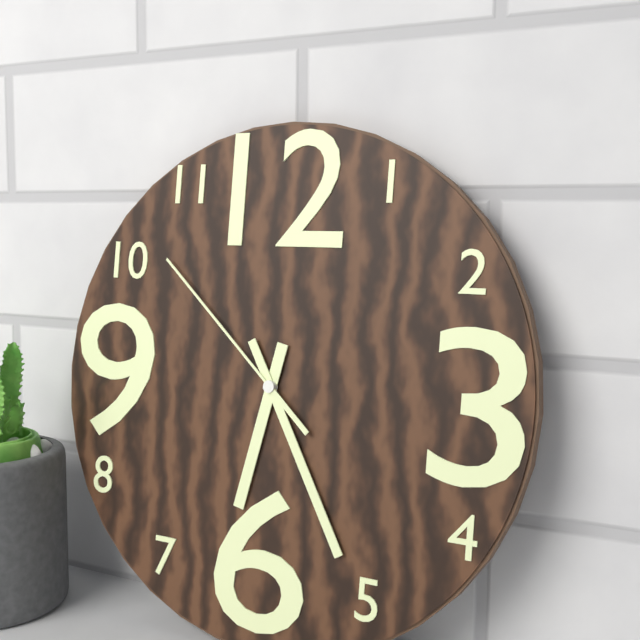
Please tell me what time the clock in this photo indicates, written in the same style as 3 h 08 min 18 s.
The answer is 6 h 25 min 52 s
